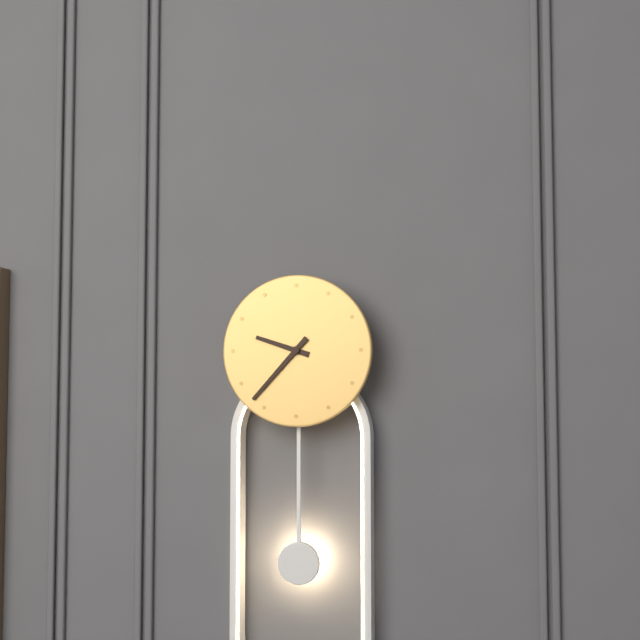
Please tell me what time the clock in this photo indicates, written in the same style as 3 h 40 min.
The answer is 9 h 37 min
